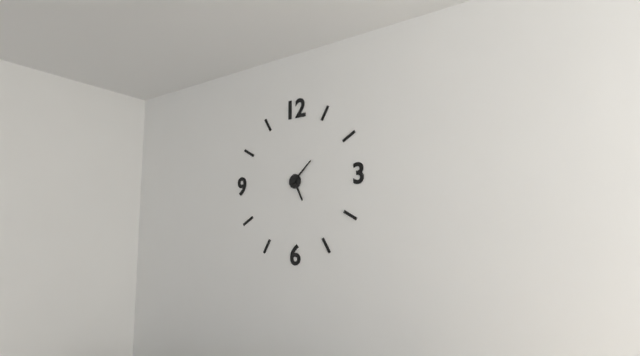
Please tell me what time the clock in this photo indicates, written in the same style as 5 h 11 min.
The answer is 5 h 08 min
